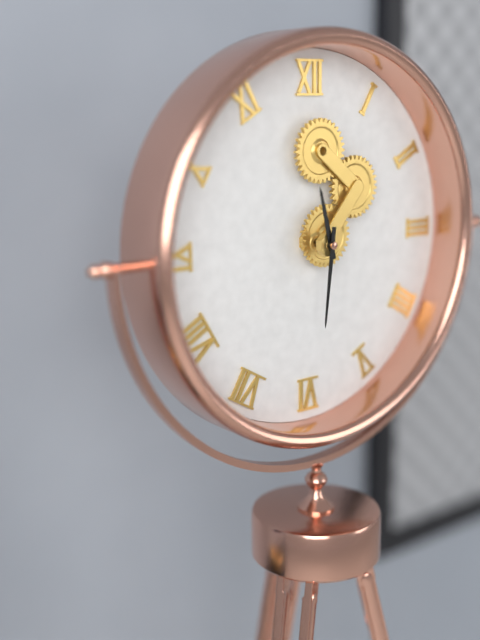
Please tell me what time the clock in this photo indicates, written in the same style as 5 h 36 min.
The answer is 11 h 31 min
